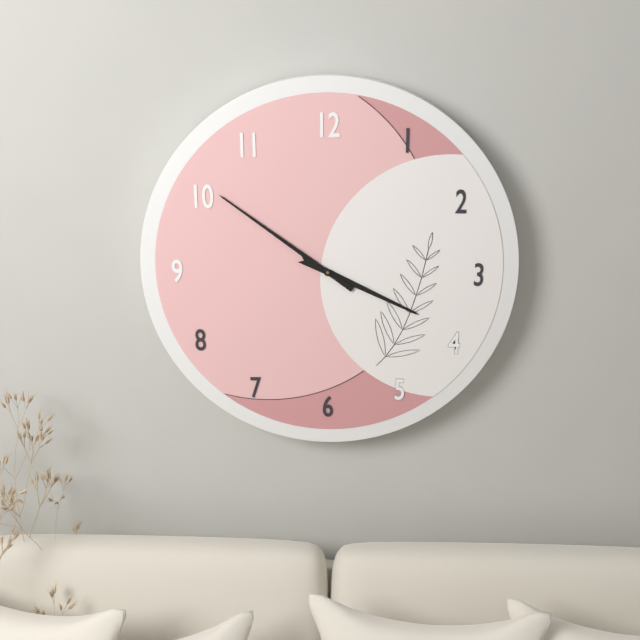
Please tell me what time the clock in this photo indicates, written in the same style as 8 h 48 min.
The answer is 3 h 51 min
